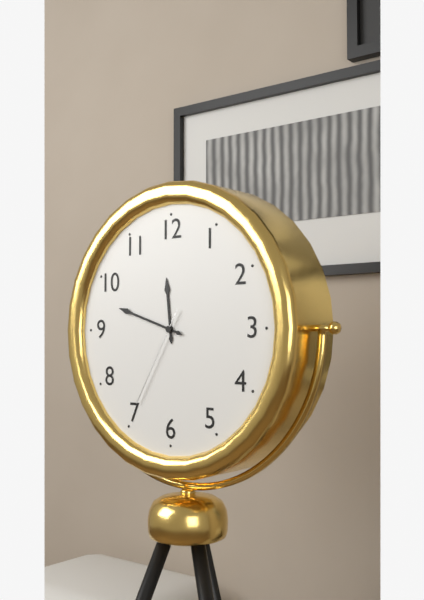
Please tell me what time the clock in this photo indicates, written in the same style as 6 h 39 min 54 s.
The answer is 11 h 48 min 35 s
